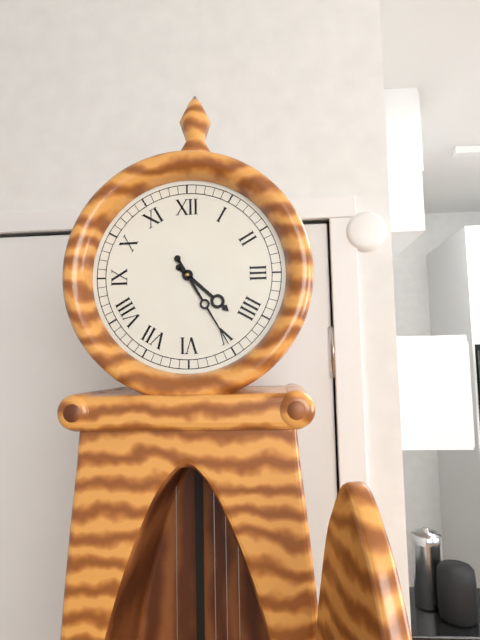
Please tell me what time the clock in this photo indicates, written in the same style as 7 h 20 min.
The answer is 4 h 25 min
